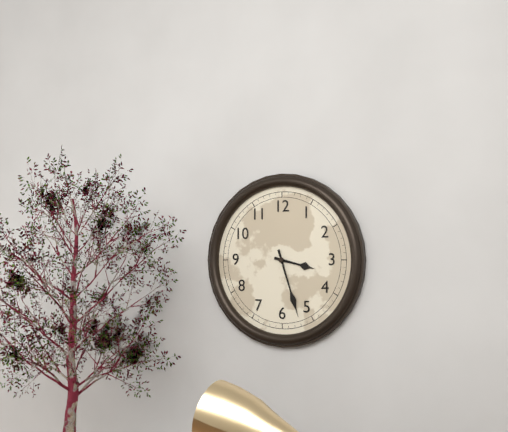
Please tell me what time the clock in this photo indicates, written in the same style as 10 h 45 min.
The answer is 3 h 27 min
